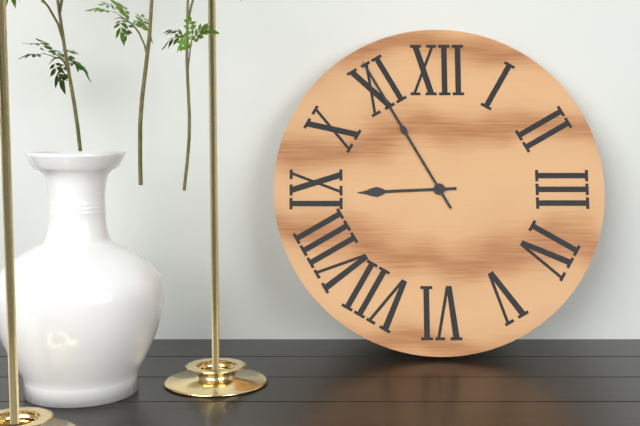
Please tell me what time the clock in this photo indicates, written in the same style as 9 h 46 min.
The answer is 8 h 55 min
